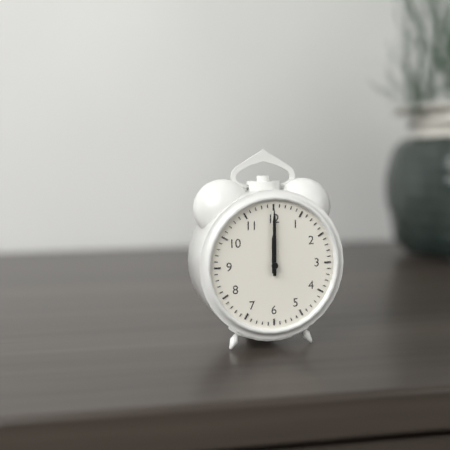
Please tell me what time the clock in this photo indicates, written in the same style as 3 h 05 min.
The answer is 12 h 00 min
